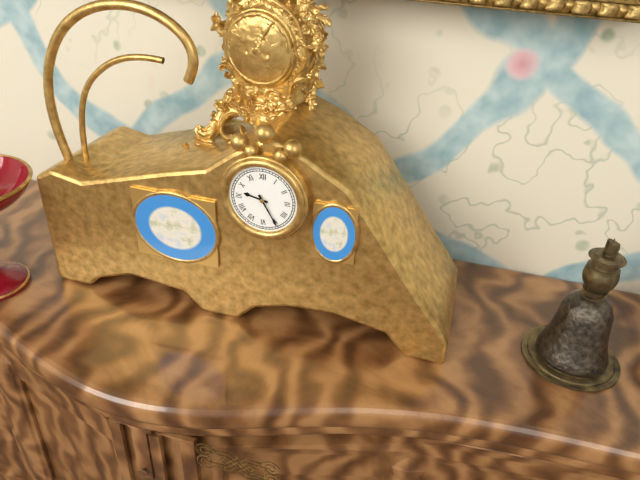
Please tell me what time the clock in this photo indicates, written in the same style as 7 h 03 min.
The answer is 9 h 25 min
